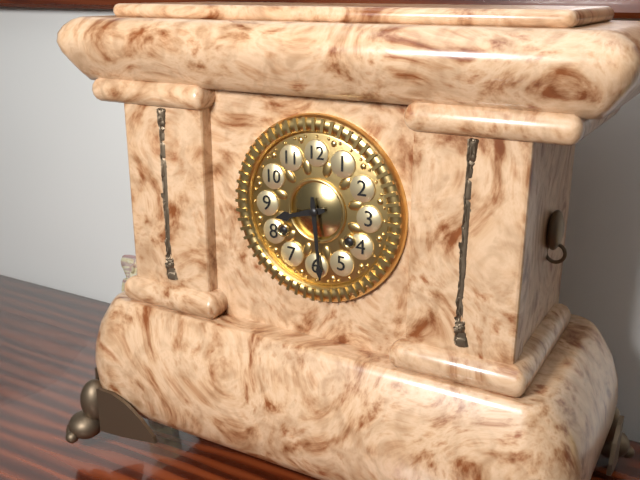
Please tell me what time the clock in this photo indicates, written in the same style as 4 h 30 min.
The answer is 8 h 29 min
